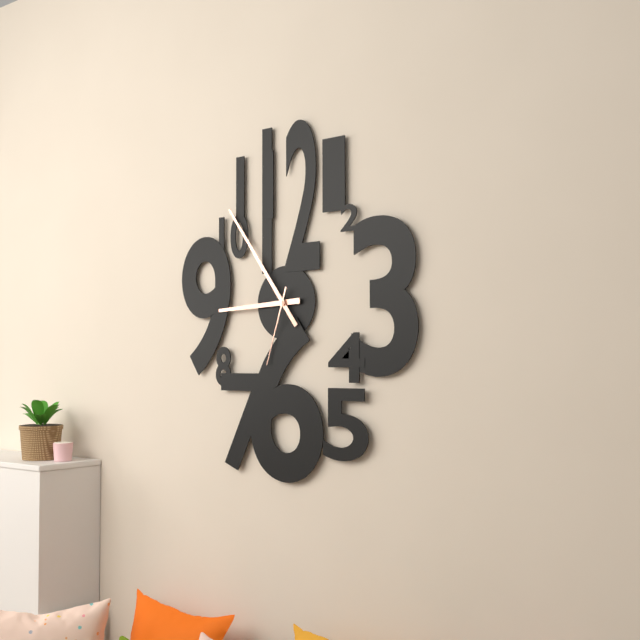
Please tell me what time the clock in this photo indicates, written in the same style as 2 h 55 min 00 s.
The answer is 8 h 54 min 33 s
